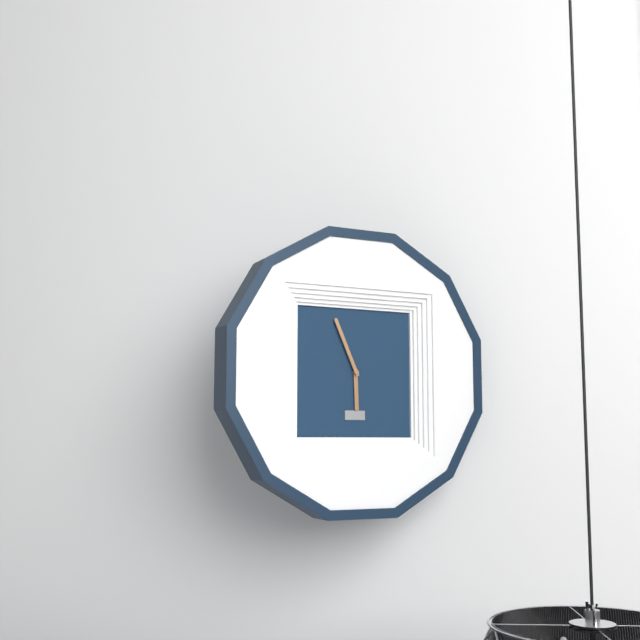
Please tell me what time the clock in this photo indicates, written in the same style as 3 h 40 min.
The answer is 5 h 56 min
